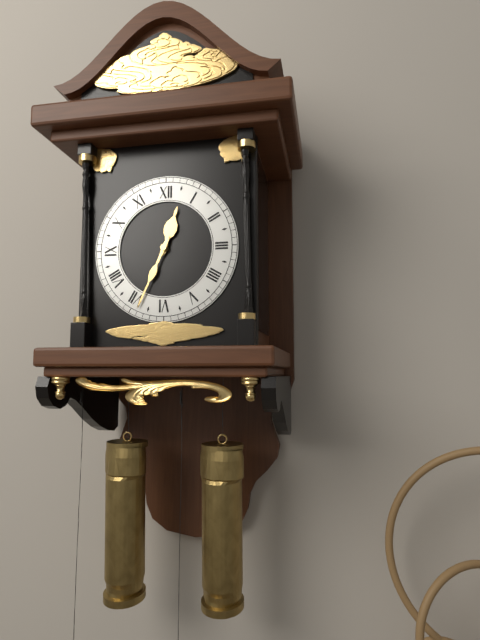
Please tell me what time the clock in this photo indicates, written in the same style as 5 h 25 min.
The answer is 12 h 34 min
